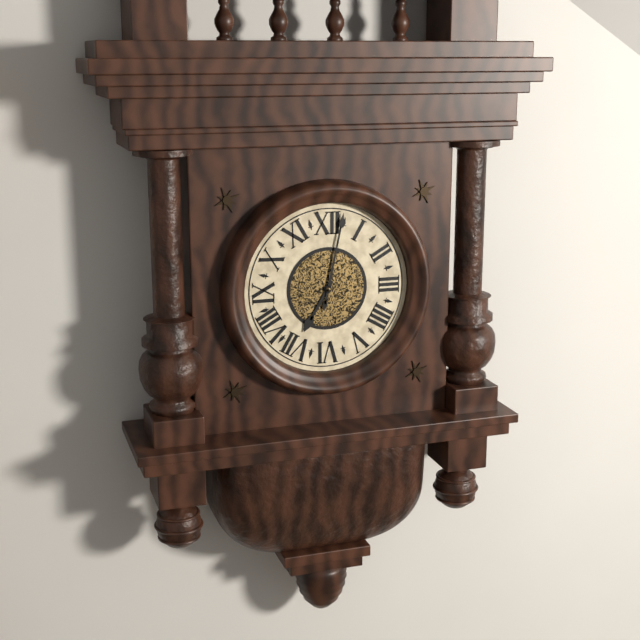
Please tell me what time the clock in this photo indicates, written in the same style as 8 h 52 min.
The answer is 7 h 02 min
